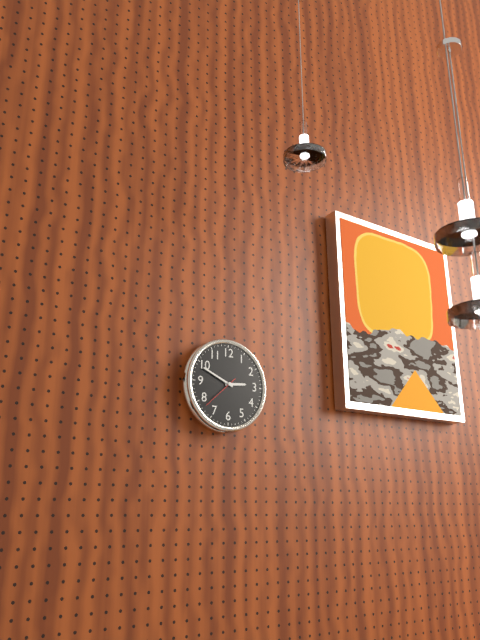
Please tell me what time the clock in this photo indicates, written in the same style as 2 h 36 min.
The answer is 2 h 49 min
